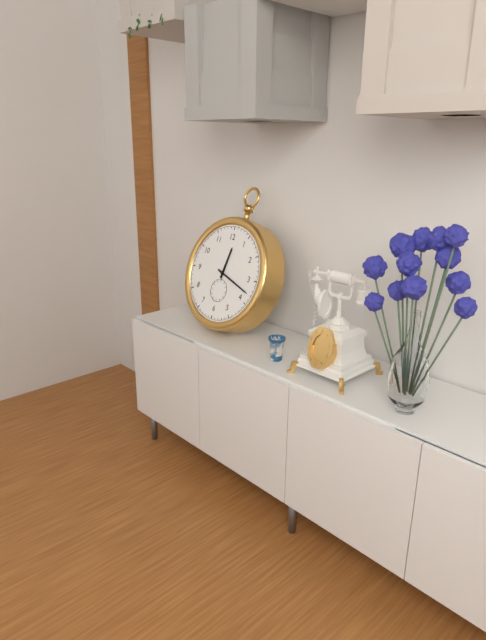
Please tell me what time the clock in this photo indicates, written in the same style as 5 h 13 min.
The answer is 12 h 18 min
